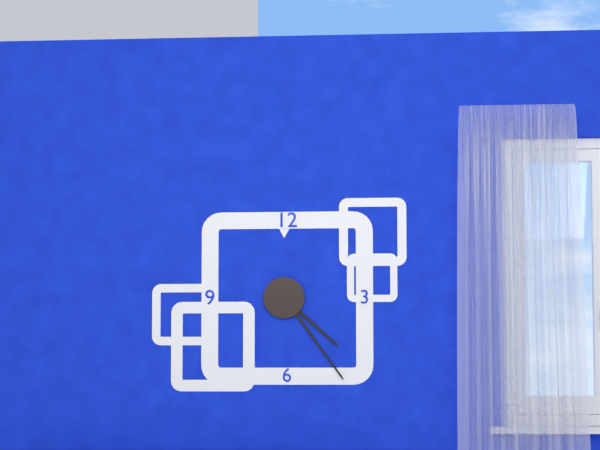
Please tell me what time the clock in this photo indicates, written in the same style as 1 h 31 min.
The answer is 4 h 24 min
